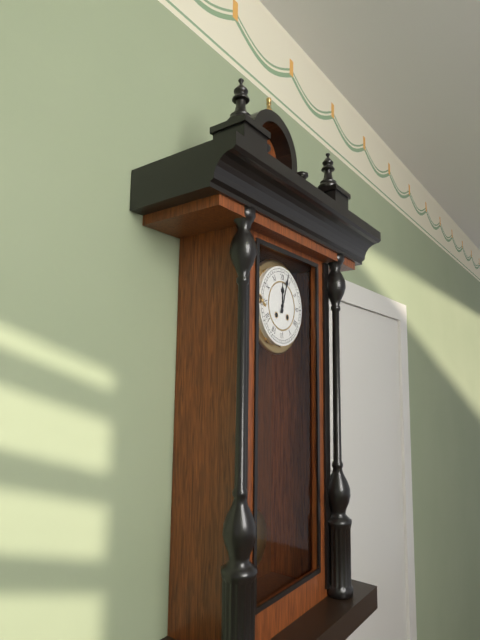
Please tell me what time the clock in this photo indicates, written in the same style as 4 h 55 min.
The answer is 12 h 03 min
